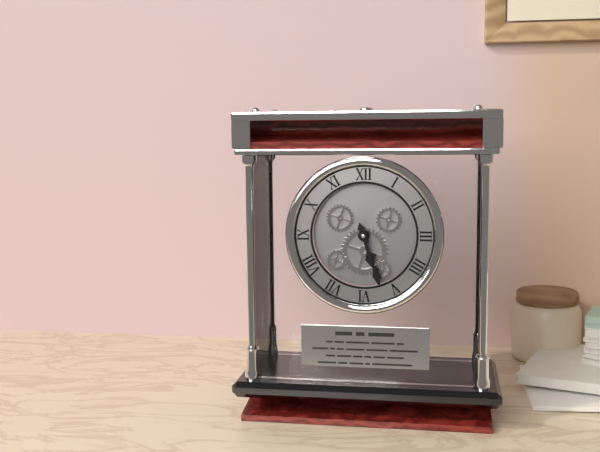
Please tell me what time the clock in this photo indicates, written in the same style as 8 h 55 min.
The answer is 5 h 27 min
